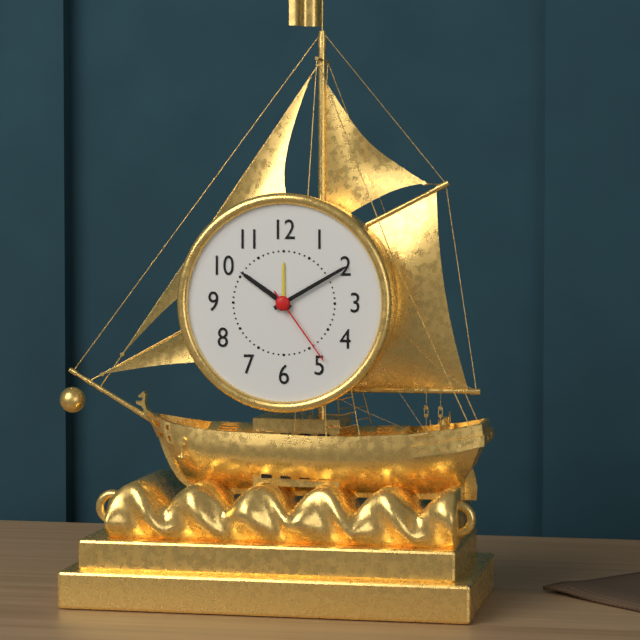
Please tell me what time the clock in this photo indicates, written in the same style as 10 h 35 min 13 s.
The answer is 10 h 10 min 24 s
